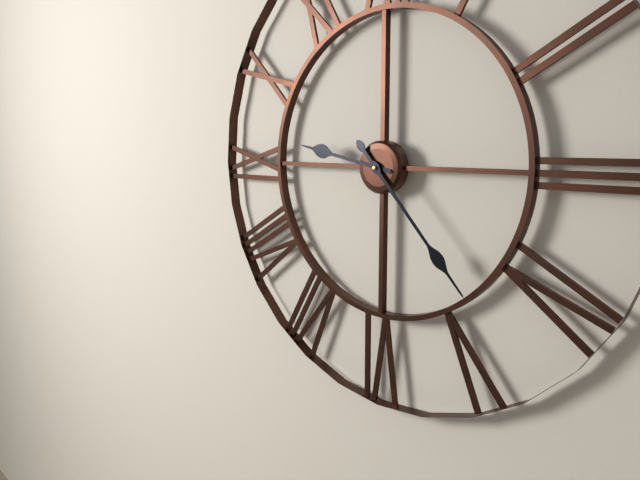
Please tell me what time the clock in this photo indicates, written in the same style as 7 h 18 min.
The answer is 9 h 23 min
